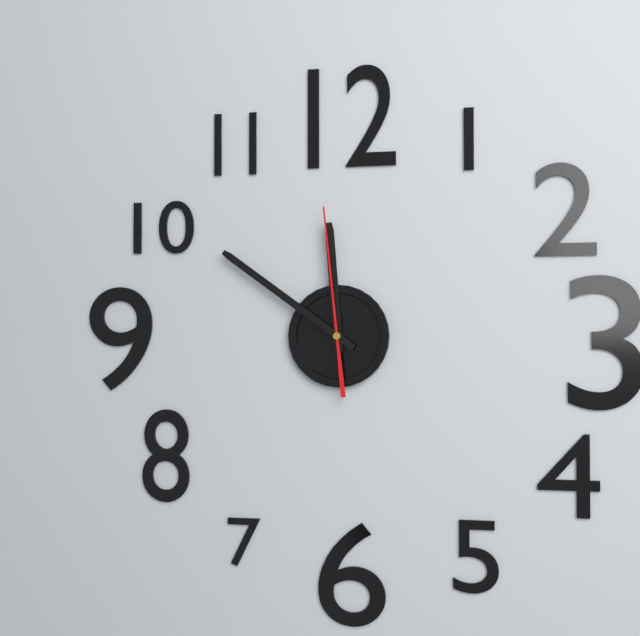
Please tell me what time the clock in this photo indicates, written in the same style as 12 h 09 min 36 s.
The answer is 11 h 51 min 59 s
